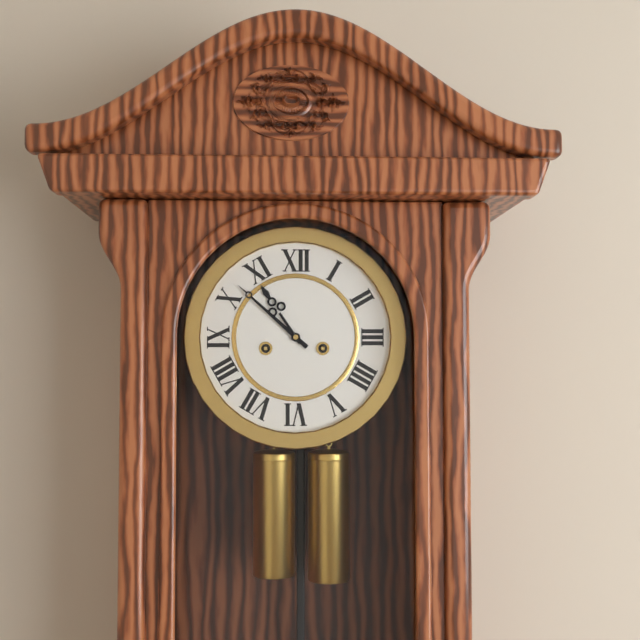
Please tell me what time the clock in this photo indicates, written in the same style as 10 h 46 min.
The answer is 10 h 52 min
